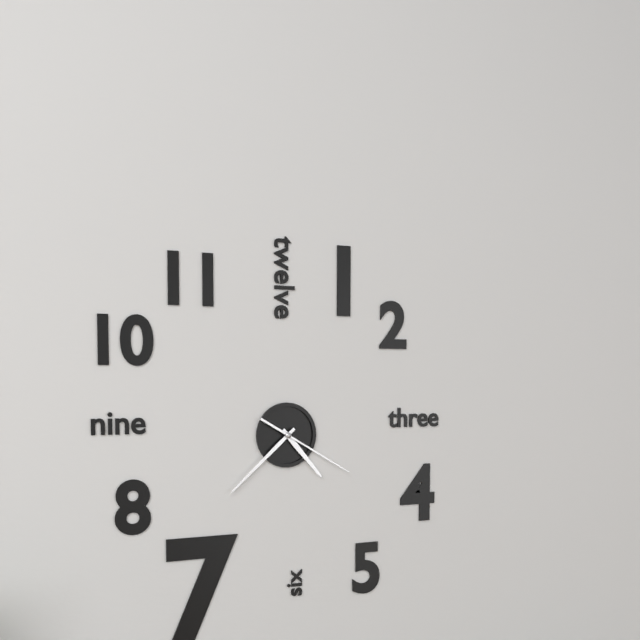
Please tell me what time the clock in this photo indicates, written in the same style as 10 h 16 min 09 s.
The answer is 4 h 38 min 20 s
